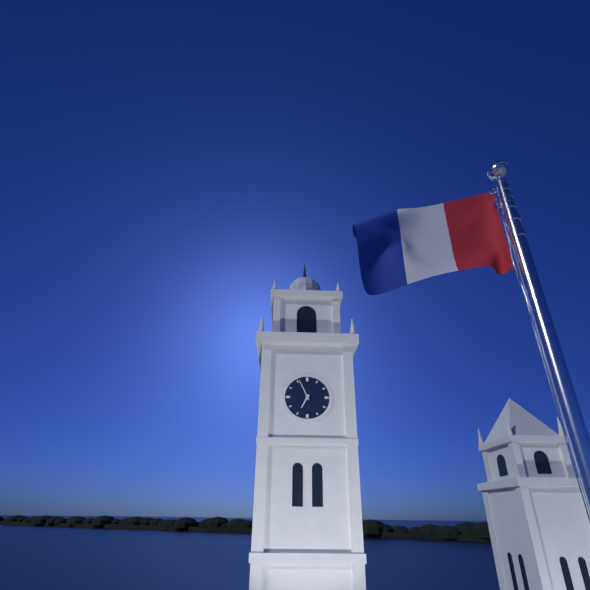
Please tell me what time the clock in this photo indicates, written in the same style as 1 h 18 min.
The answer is 6 h 56 min
